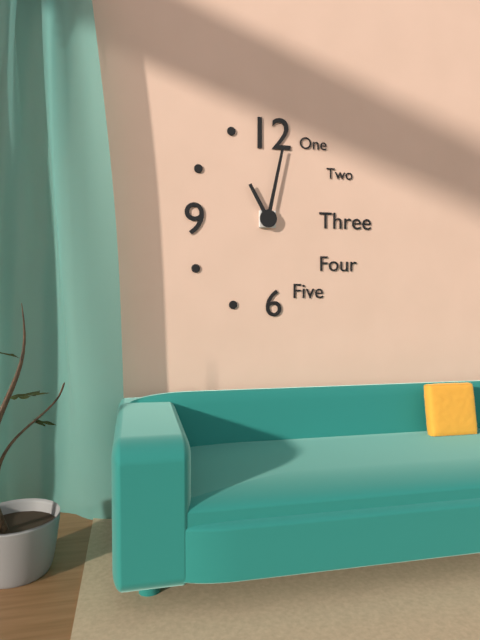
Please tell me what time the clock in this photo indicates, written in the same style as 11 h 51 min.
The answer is 11 h 02 min
